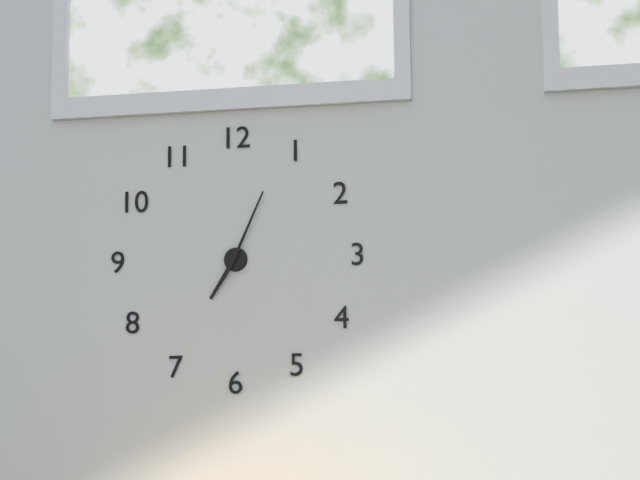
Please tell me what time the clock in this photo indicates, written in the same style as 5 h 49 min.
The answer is 7 h 04 min
